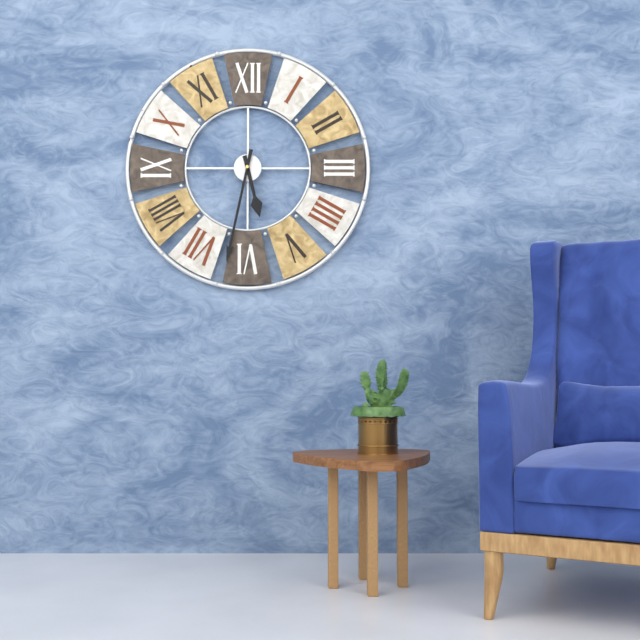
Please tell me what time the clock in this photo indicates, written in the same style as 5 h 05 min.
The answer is 5 h 32 min
